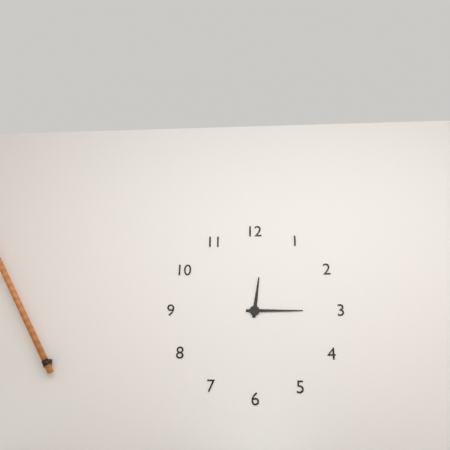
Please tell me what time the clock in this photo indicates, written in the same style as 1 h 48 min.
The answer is 12 h 15 min
